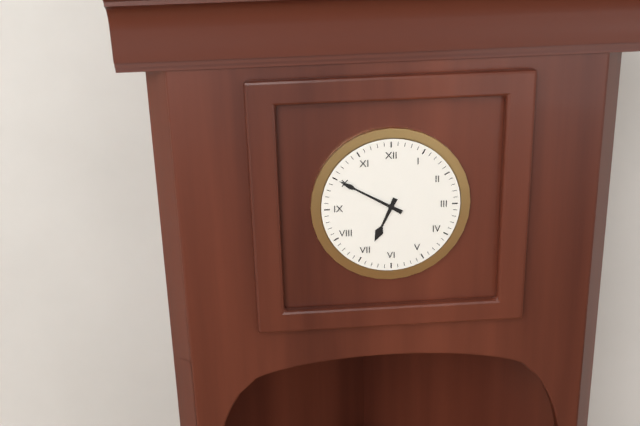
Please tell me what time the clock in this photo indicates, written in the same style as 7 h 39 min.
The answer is 6 h 50 min
